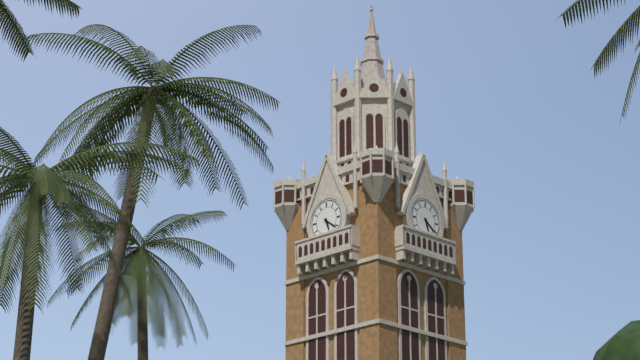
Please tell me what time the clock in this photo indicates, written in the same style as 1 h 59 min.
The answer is 5 h 21 min
